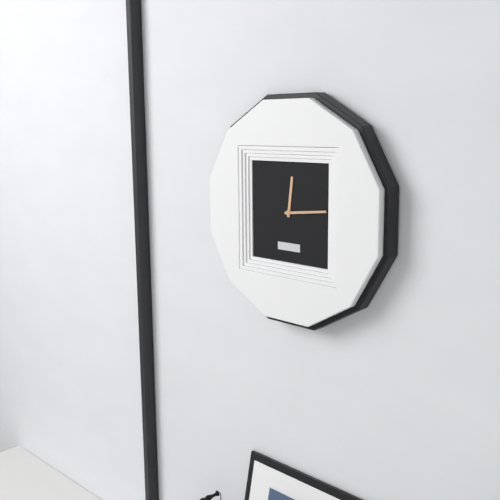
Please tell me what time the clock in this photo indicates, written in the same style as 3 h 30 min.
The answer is 12 h 14 min
